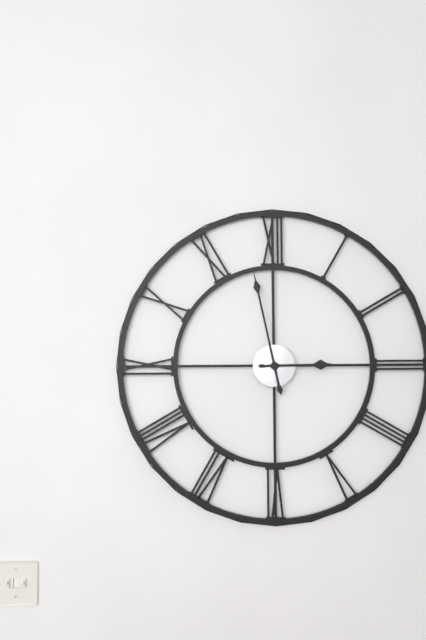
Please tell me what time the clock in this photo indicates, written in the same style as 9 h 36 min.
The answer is 2 h 58 min
